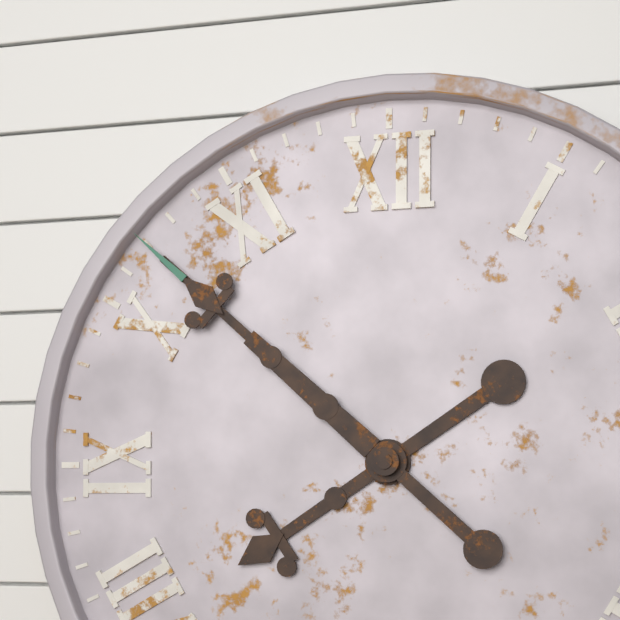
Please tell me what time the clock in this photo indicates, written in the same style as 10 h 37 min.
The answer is 7 h 52 min
